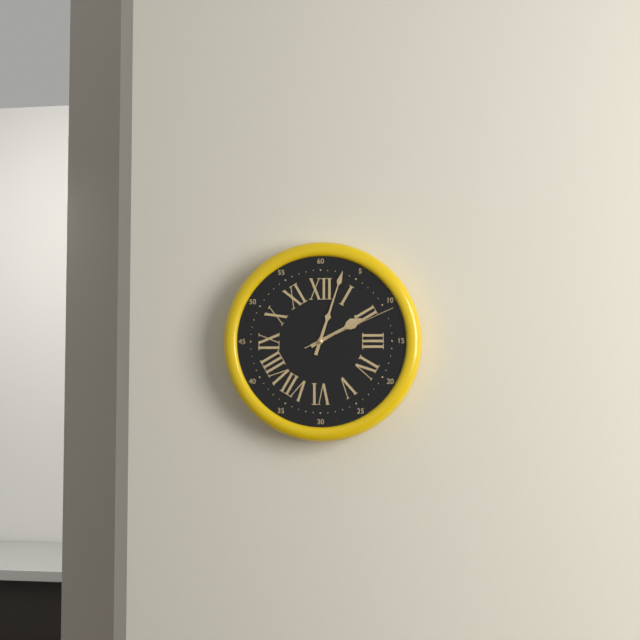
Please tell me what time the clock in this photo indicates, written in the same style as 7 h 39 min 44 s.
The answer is 2 h 03 min 11 s
